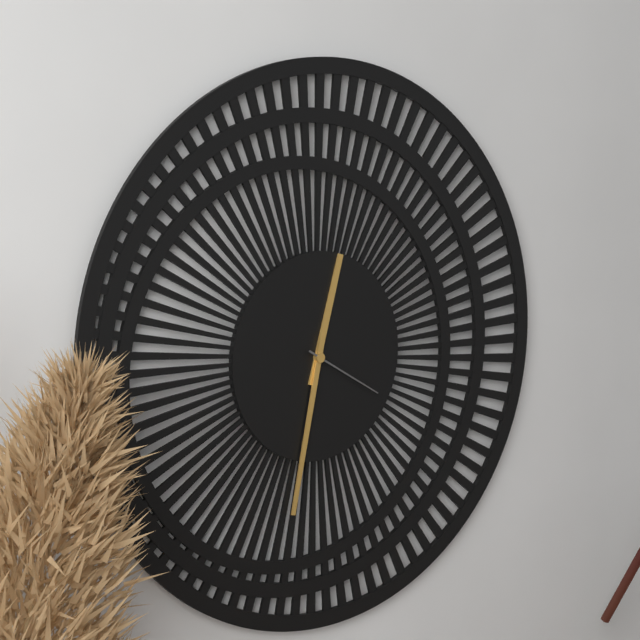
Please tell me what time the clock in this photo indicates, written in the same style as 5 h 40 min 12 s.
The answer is 12 h 32 min 20 s
